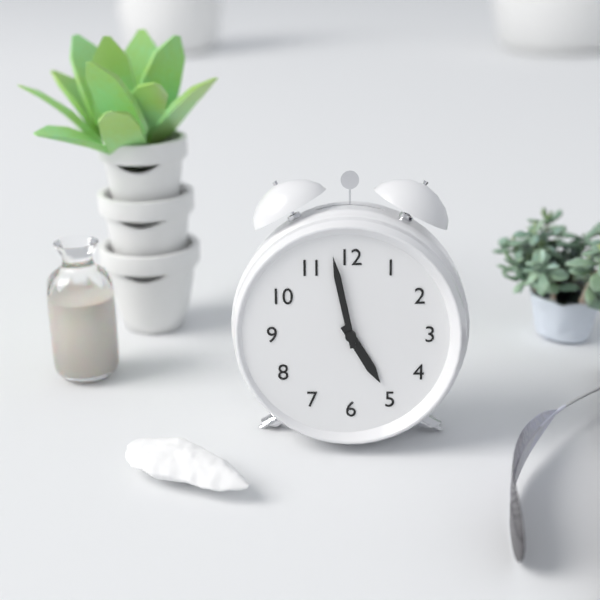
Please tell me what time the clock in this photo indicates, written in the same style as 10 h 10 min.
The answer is 4 h 58 min
